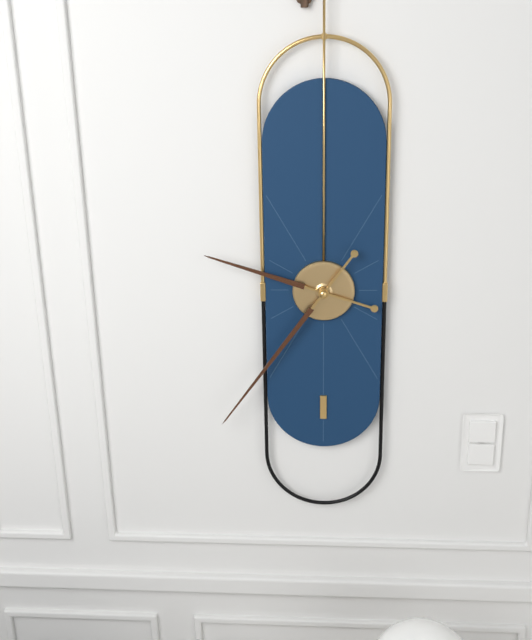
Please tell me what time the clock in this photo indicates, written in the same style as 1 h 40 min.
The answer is 9 h 36 min
